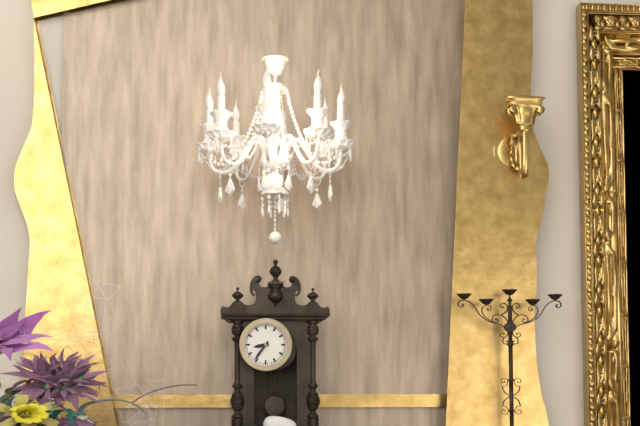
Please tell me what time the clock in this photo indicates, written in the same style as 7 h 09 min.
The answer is 8 h 36 min
